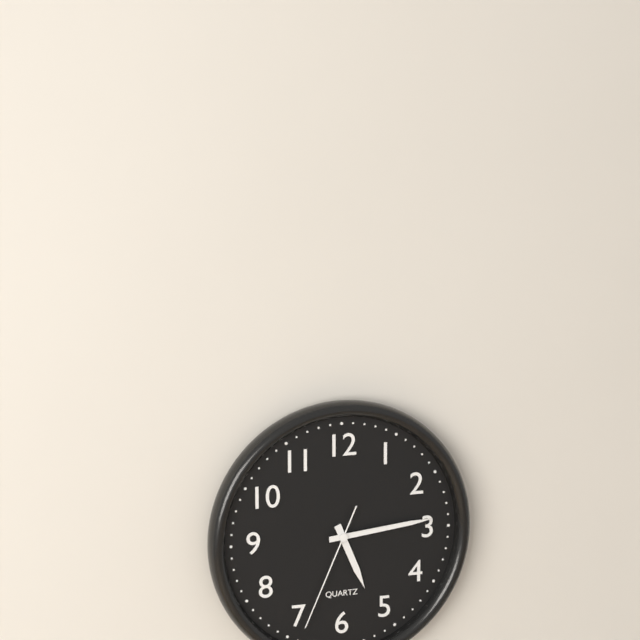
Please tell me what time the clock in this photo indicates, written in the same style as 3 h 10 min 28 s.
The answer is 5 h 14 min 34 s
